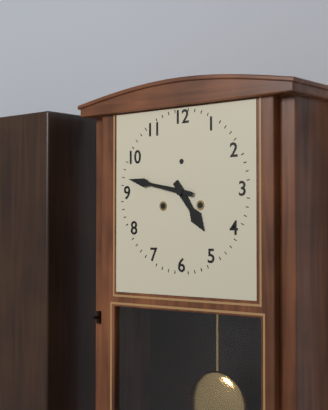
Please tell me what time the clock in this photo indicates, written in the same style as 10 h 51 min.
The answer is 4 h 47 min
